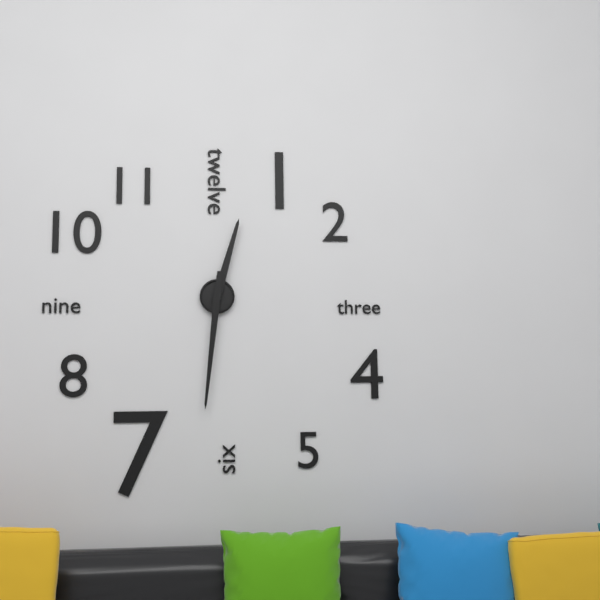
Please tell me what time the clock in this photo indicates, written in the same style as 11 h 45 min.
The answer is 12 h 31 min
